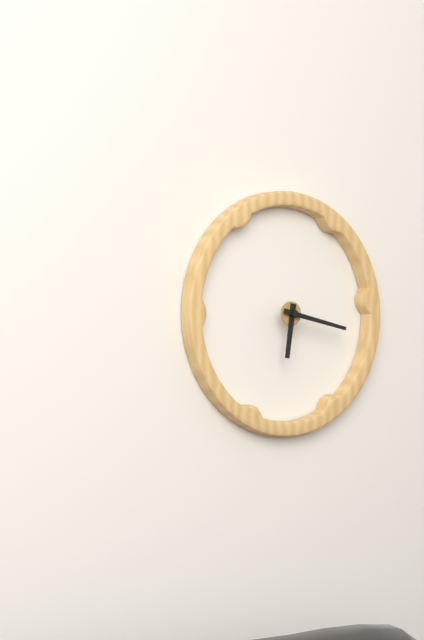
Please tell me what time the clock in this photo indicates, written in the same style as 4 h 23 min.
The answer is 6 h 17 min
